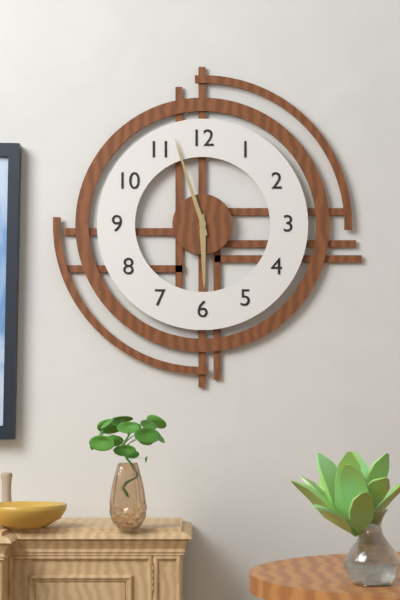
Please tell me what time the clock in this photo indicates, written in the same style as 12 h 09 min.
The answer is 5 h 57 min
